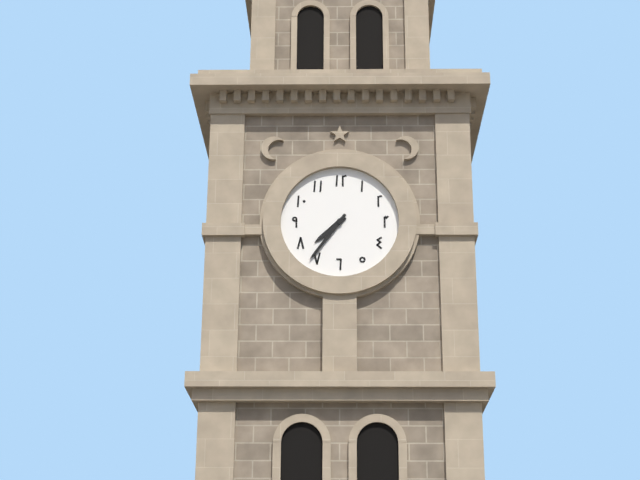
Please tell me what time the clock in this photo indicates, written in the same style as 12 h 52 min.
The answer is 7 h 36 min
